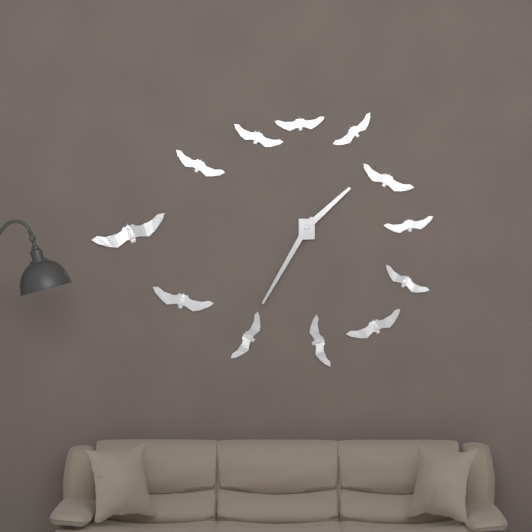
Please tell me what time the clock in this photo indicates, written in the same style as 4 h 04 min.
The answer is 1 h 35 min
